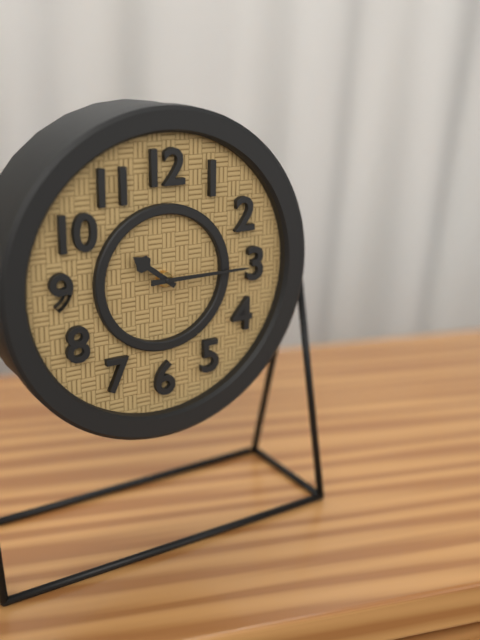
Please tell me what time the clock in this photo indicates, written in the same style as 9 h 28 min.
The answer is 10 h 15 min
